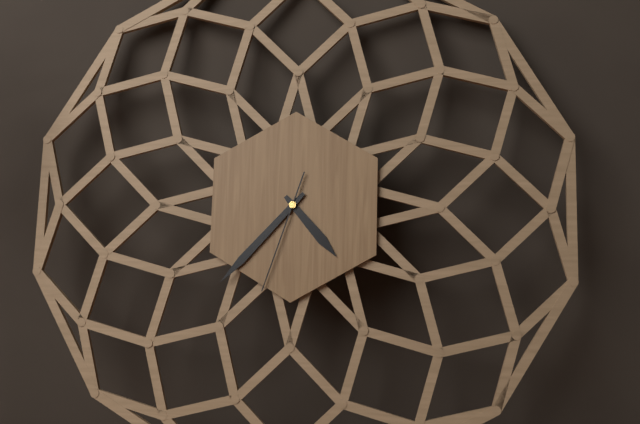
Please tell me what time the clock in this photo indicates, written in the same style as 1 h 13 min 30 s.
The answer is 4 h 37 min 33 s
